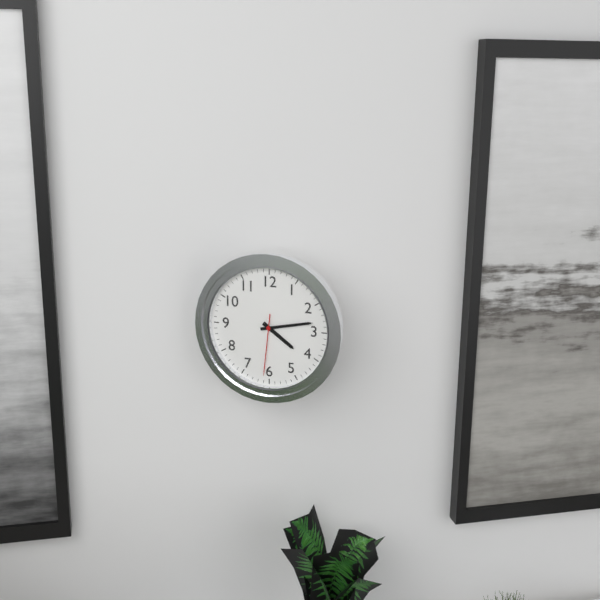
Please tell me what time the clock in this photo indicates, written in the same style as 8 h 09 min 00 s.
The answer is 4 h 13 min 31 s
